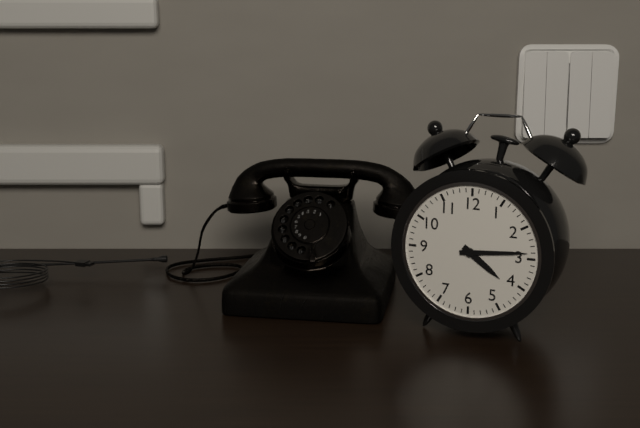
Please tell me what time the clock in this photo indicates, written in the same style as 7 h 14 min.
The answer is 4 h 14 min
